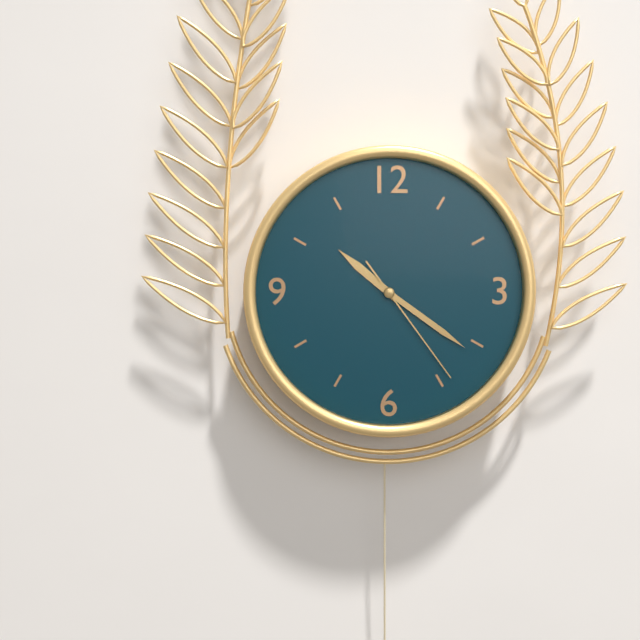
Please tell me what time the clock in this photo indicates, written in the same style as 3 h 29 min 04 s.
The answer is 10 h 21 min 24 s
